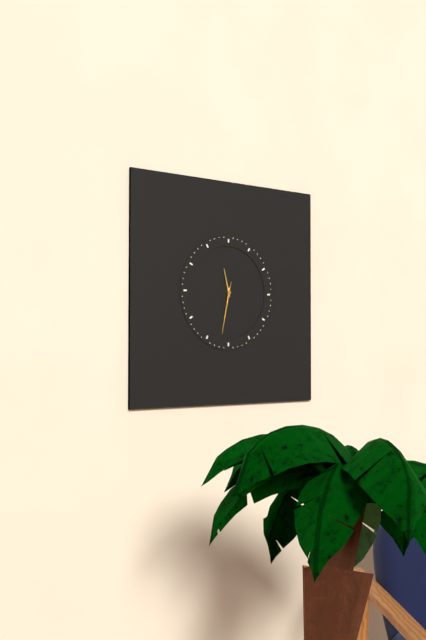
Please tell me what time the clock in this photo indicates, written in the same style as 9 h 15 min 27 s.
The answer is 11 h 32 min 32 s
